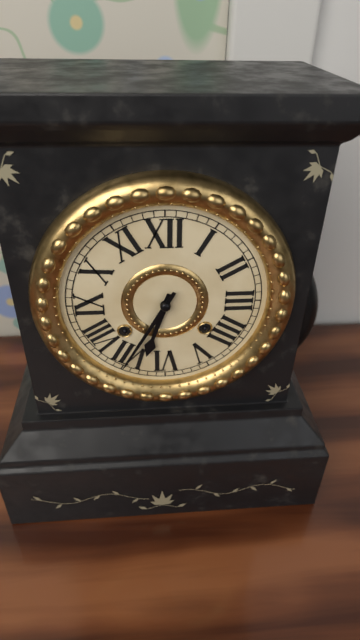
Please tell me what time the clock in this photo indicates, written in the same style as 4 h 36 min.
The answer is 6 h 35 min
